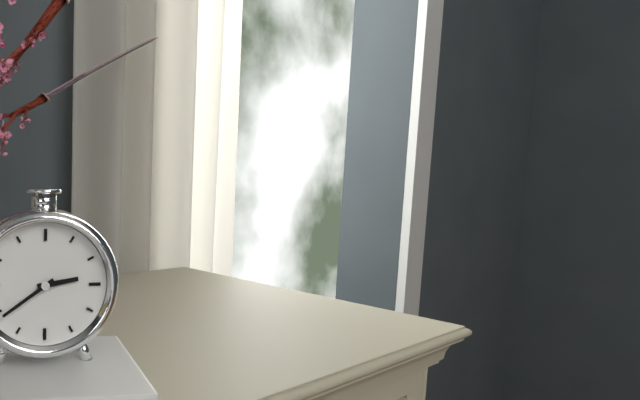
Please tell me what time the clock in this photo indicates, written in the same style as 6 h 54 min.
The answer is 2 h 39 min
